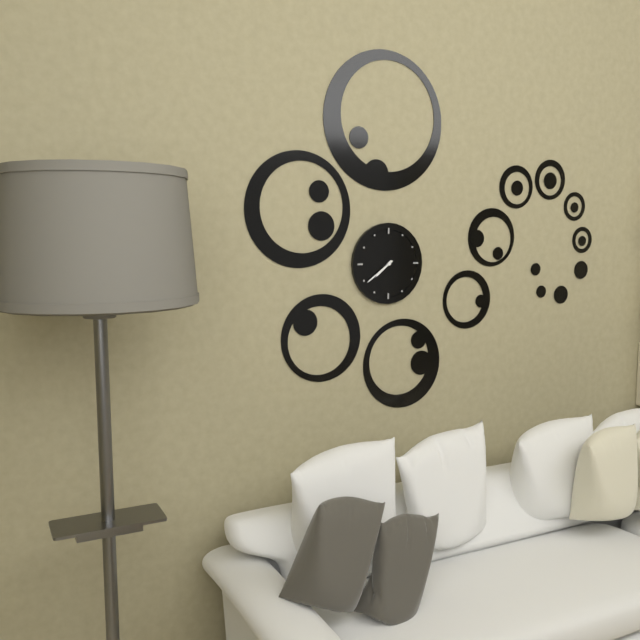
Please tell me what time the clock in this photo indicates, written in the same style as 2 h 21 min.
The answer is 7 h 39 min
